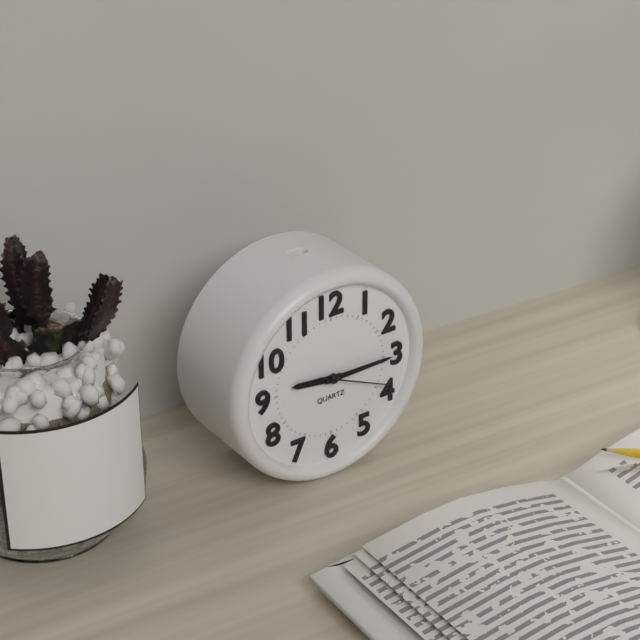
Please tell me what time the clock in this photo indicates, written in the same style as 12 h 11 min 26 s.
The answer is 9 h 15 min 19 s
